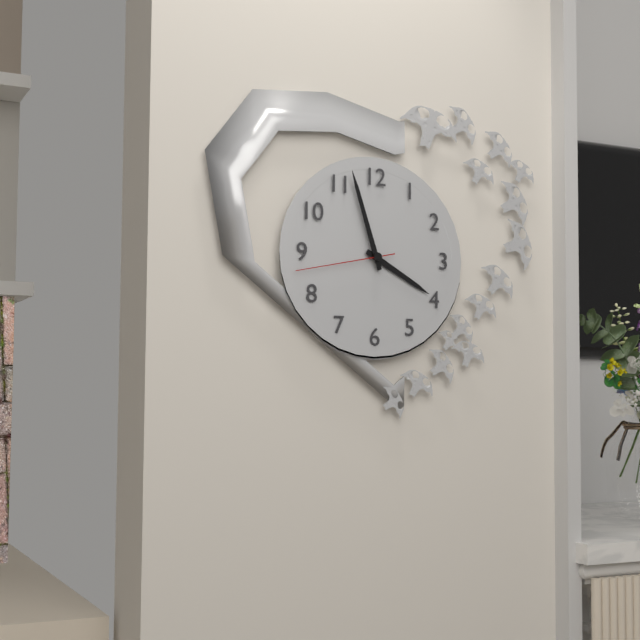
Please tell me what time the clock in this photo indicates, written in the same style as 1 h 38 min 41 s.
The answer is 3 h 57 min 43 s
